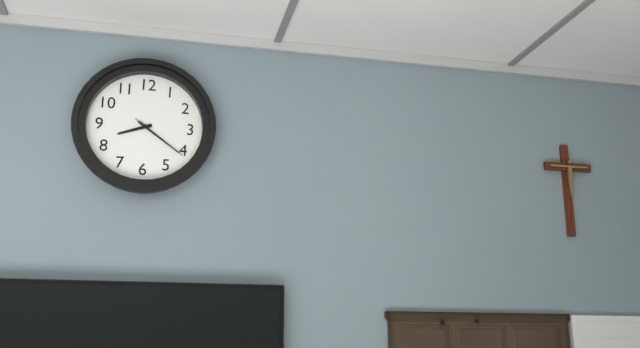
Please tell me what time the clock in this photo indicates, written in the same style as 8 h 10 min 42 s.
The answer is 8 h 21 min 21 s
